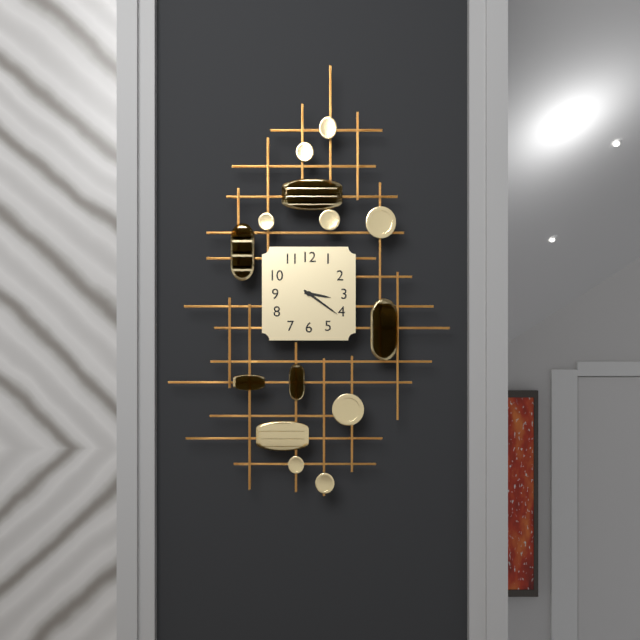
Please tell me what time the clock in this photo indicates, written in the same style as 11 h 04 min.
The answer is 3 h 21 min
